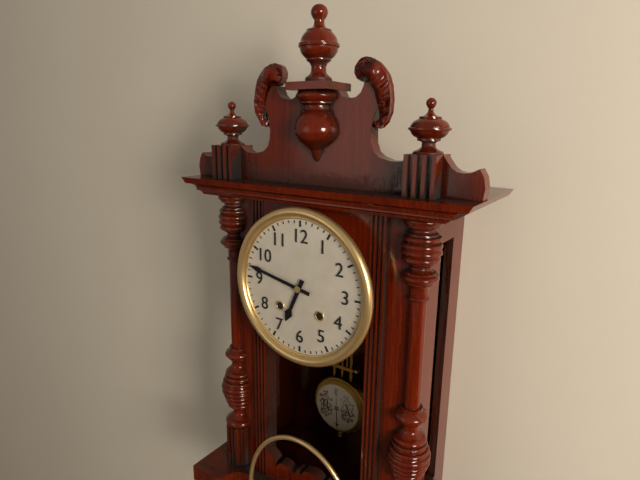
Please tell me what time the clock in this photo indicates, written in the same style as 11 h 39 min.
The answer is 6 h 47 min
